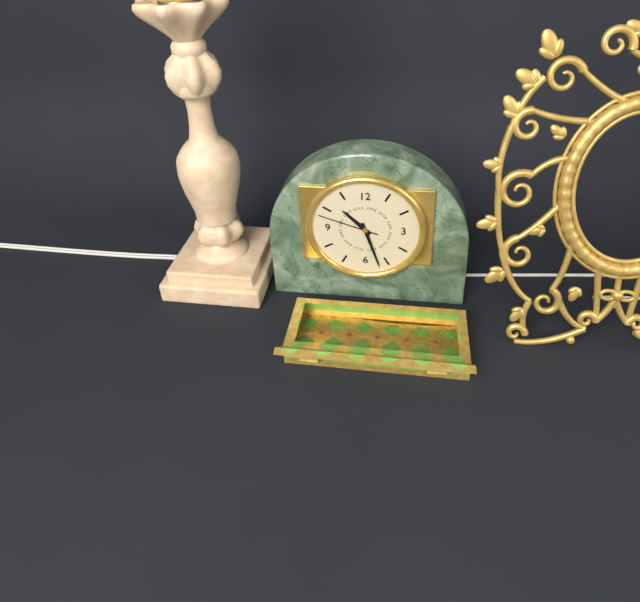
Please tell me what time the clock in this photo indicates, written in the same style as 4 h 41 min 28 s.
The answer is 10 h 27 min 48 s
